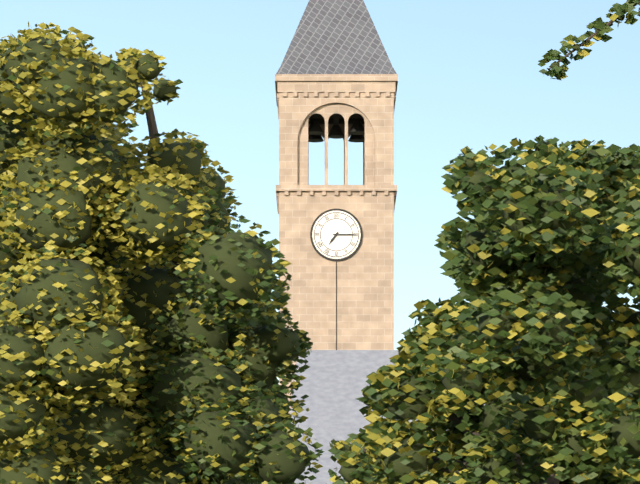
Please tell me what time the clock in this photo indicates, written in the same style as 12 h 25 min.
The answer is 7 h 15 min
